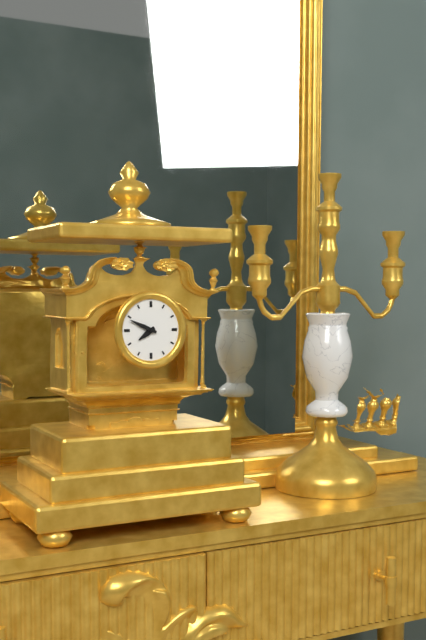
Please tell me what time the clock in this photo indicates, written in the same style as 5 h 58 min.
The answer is 7 h 49 min
